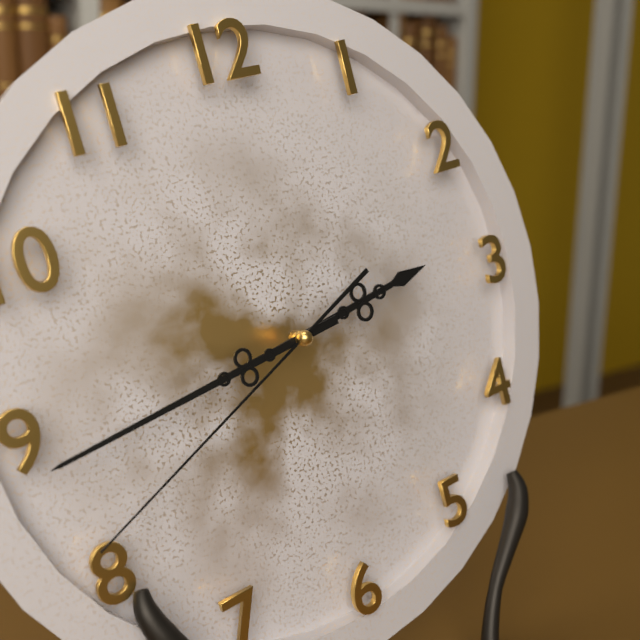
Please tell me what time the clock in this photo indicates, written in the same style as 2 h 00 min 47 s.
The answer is 2 h 44 min 41 s
